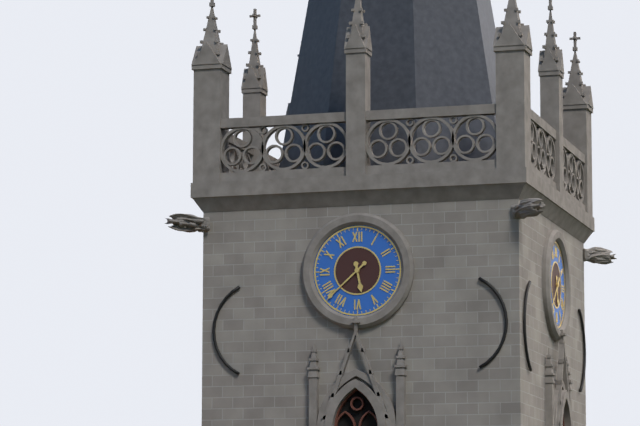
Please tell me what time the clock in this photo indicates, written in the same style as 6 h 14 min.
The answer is 5 h 38 min
